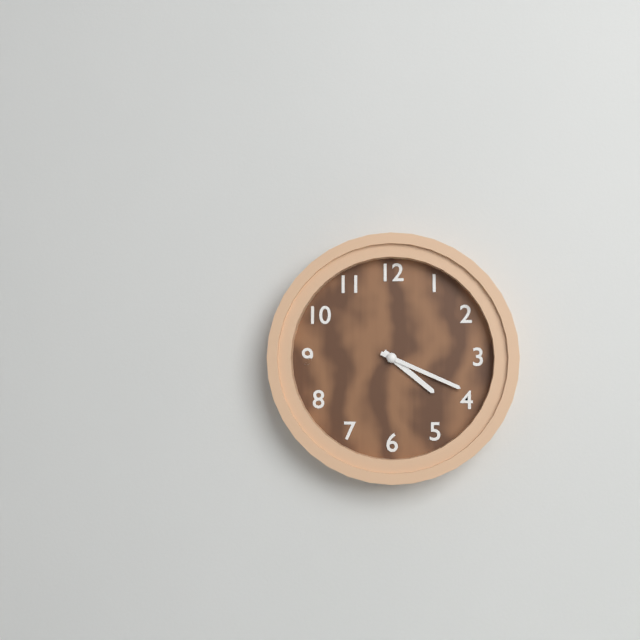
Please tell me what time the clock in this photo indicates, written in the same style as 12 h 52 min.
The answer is 4 h 19 min
